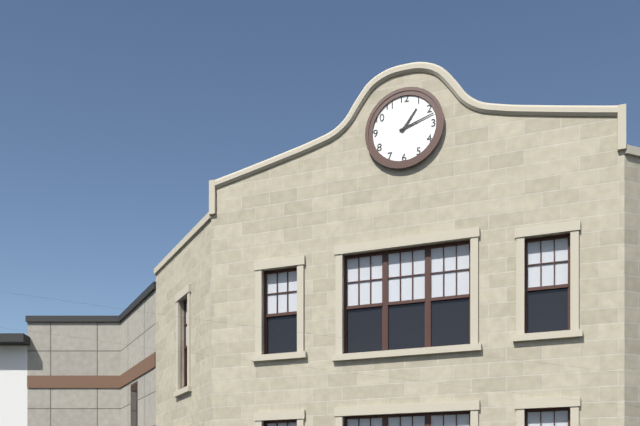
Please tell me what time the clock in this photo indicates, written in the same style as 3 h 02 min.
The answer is 1 h 12 min
